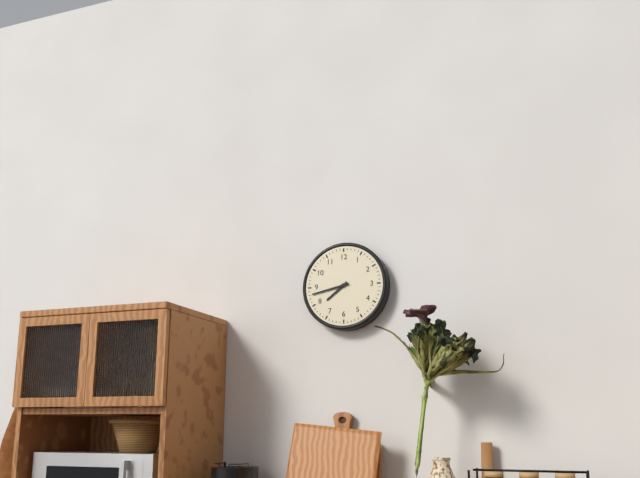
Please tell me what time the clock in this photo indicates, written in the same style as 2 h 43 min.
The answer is 7 h 43 min
